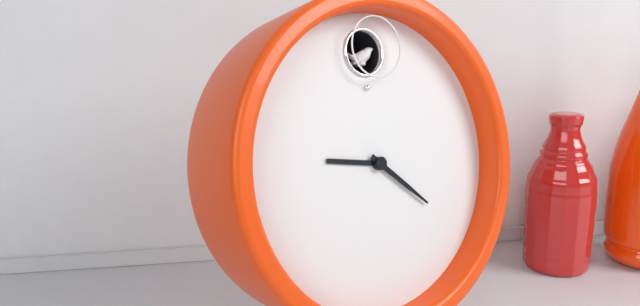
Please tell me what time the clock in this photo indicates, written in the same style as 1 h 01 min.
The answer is 9 h 22 min
